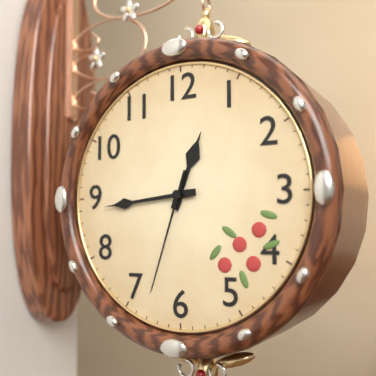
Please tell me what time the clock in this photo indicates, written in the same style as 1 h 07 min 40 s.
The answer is 12 h 44 min 33 s
